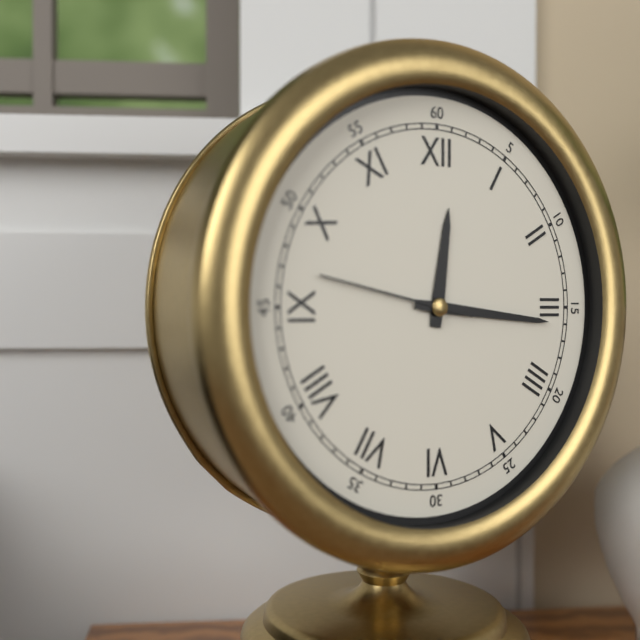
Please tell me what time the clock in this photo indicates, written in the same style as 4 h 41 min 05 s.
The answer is 12 h 16 min 47 s
